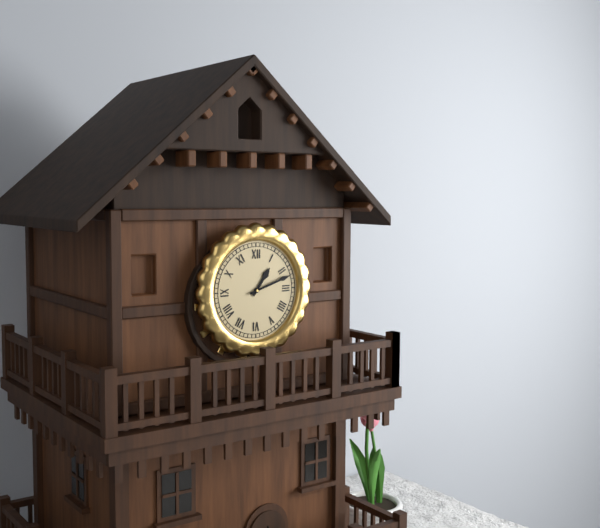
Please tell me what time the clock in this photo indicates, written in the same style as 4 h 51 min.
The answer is 1 h 12 min
